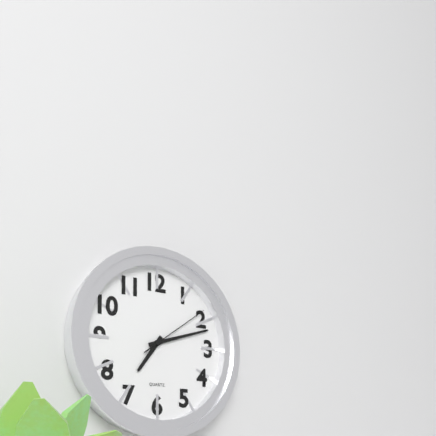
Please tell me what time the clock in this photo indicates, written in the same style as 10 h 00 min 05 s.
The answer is 7 h 12 min 09 s
